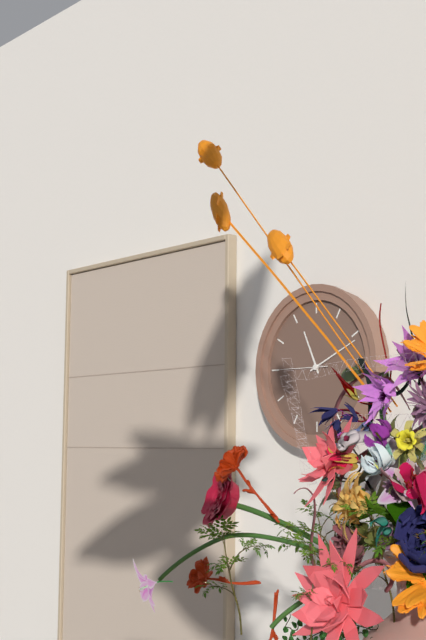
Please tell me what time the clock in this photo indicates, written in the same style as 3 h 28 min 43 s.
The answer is 11 h 11 min 45 s
